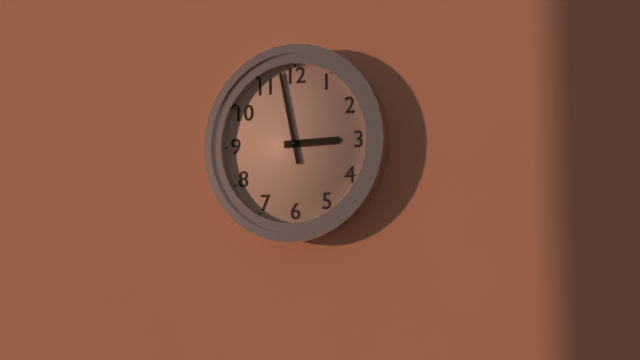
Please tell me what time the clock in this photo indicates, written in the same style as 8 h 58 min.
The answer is 2 h 58 min
